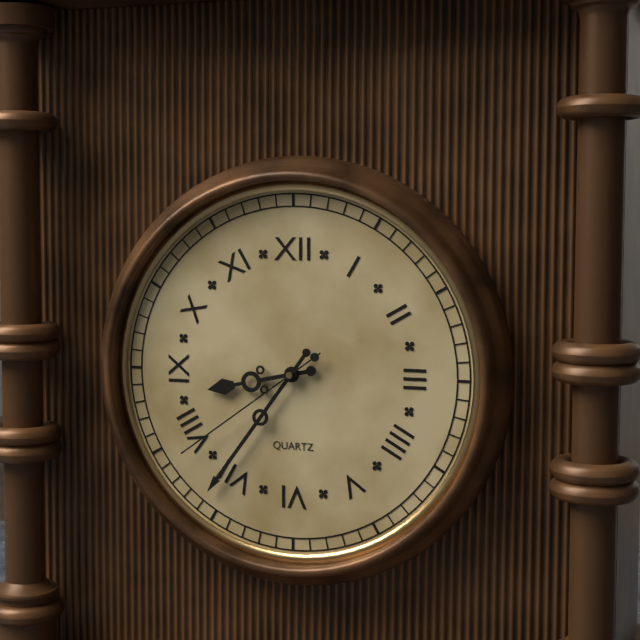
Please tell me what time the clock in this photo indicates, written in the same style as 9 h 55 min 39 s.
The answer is 8 h 36 min 39 s
